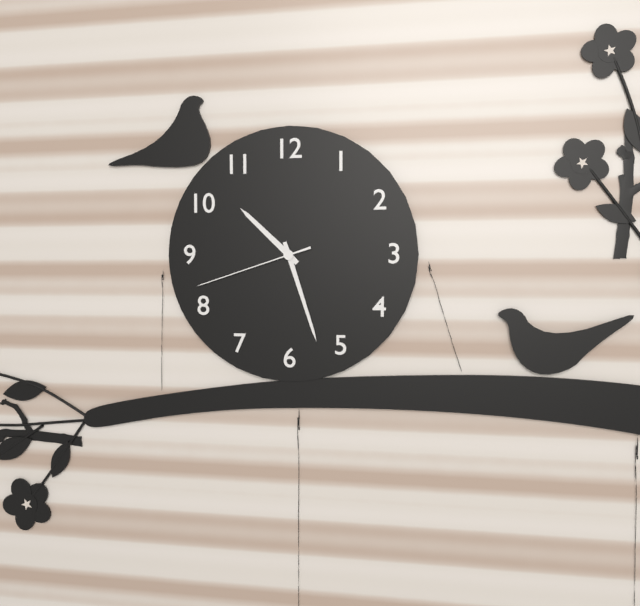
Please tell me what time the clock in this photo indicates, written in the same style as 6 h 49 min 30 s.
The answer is 10 h 27 min 42 s
